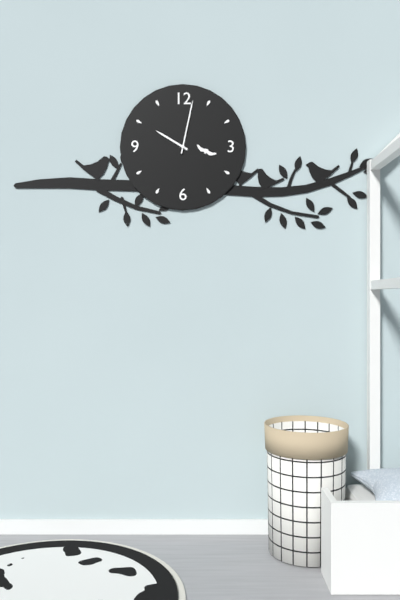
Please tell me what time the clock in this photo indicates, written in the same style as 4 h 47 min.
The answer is 10 h 02 min
